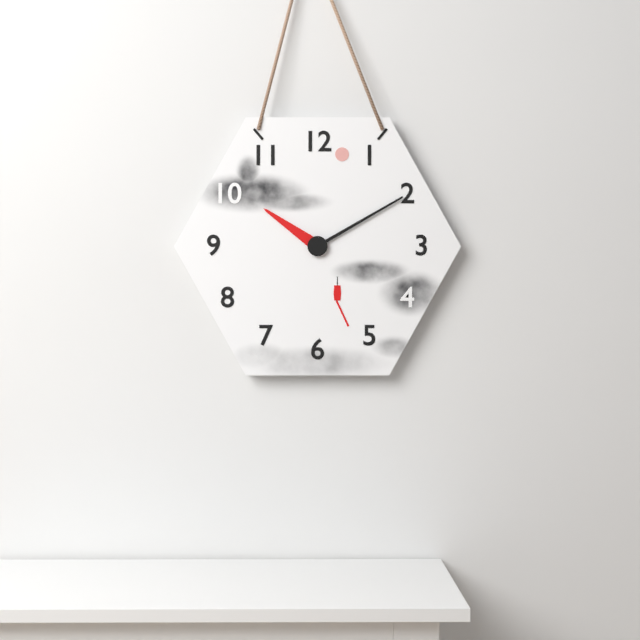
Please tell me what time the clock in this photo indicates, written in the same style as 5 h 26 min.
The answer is 10 h 10 min
